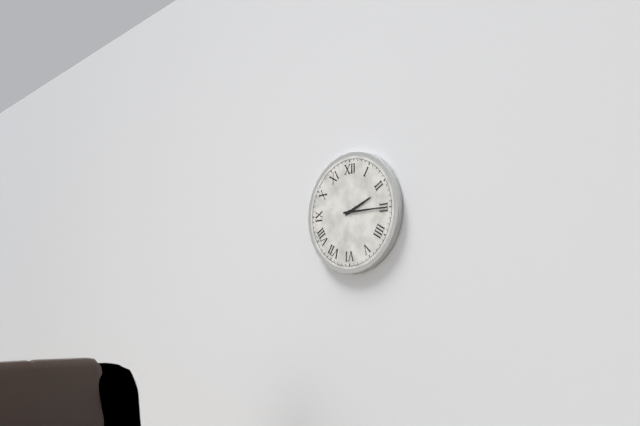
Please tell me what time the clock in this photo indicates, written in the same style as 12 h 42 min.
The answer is 2 h 15 min
